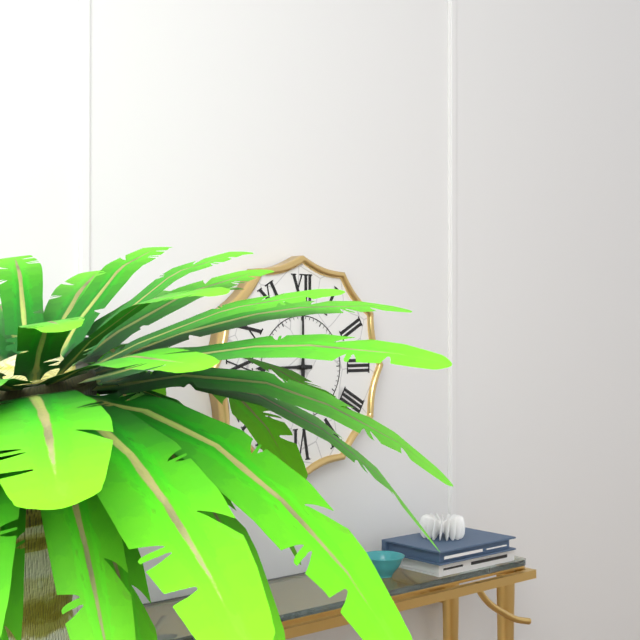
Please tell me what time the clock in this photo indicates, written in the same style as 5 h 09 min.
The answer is 9 h 00 min
